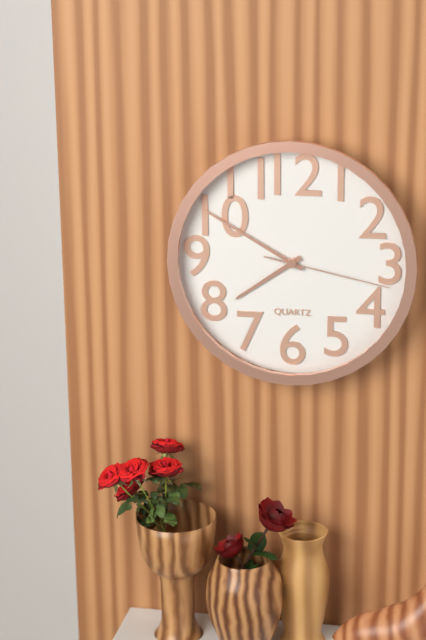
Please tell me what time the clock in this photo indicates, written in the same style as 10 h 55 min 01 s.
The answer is 7 h 50 min 17 s
